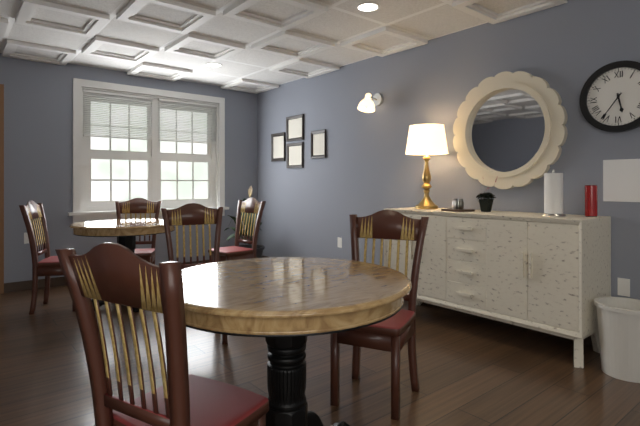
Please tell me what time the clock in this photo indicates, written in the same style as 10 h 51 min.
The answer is 5 h 36 min
